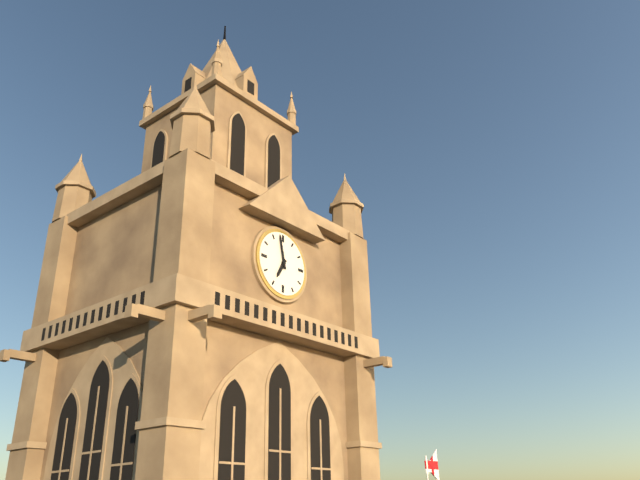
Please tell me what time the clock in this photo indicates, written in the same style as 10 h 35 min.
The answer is 6 h 58 min
